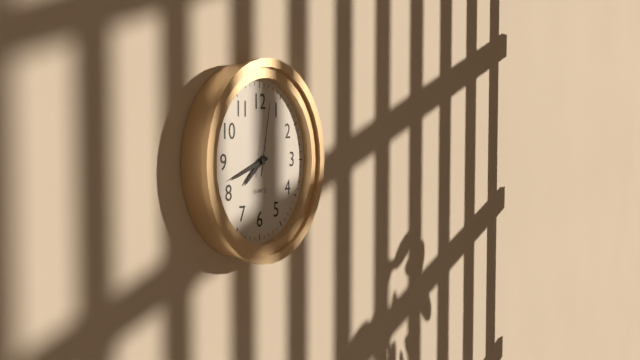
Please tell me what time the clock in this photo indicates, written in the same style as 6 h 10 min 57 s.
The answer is 7 h 42 min 02 s
